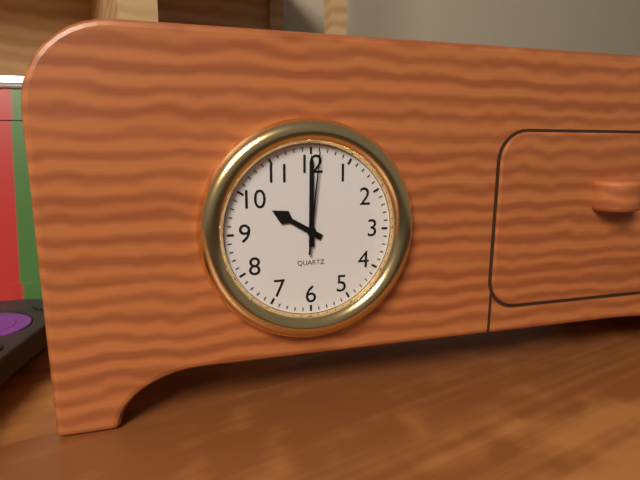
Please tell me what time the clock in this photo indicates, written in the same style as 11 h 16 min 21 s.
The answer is 10 h 00 min 01 s
